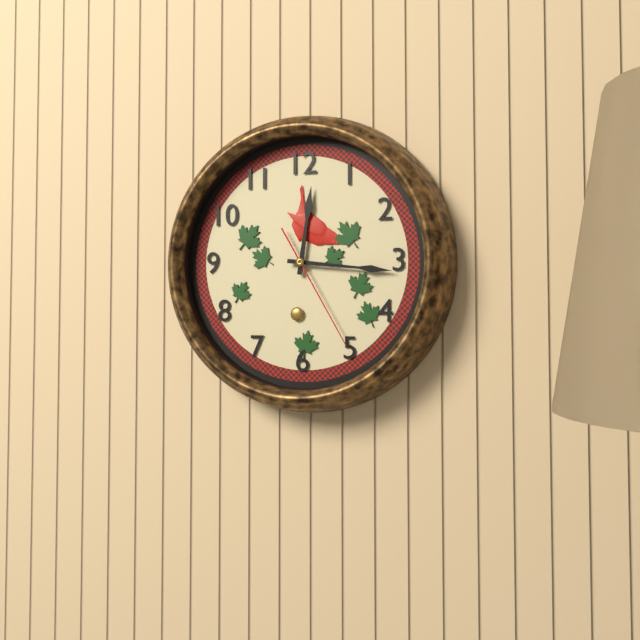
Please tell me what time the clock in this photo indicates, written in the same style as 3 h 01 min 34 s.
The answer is 12 h 16 min 25 s
